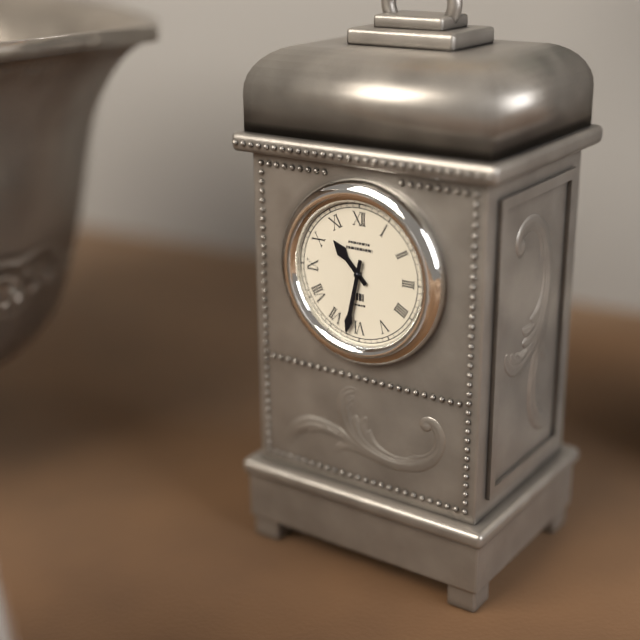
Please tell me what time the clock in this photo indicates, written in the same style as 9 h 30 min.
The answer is 10 h 32 min
